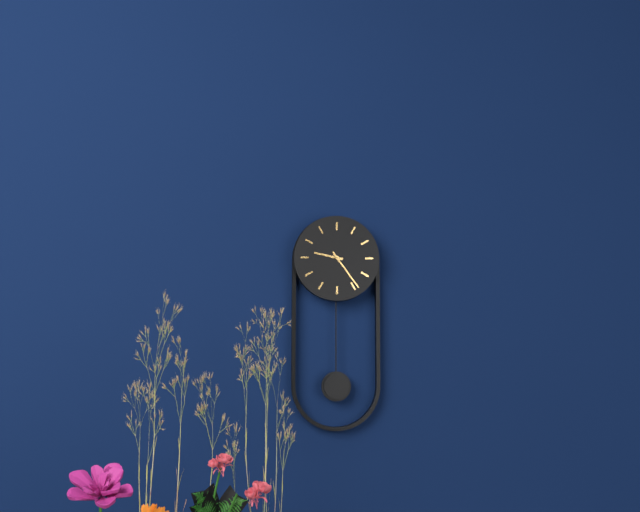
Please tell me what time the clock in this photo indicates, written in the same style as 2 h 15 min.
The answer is 9 h 24 min
